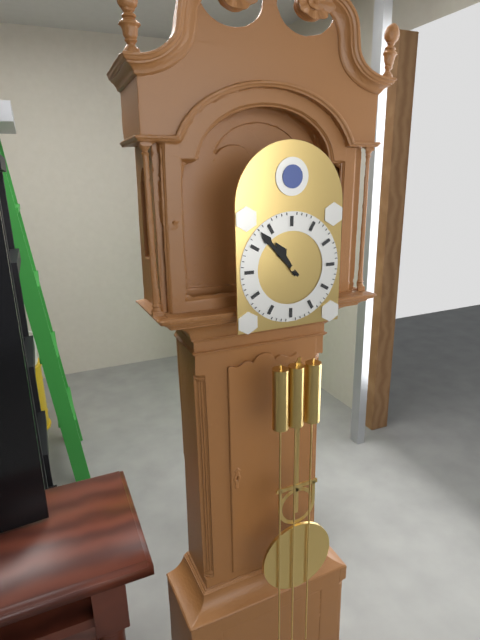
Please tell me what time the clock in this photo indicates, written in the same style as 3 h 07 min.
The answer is 10 h 53 min
